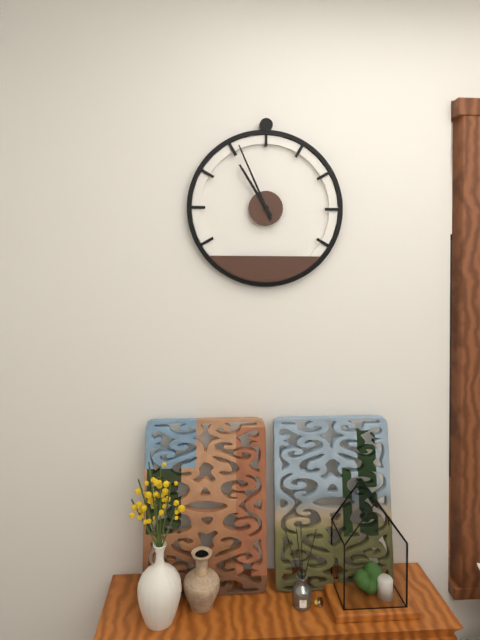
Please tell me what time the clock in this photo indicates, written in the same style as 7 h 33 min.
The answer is 10 h 56 min
